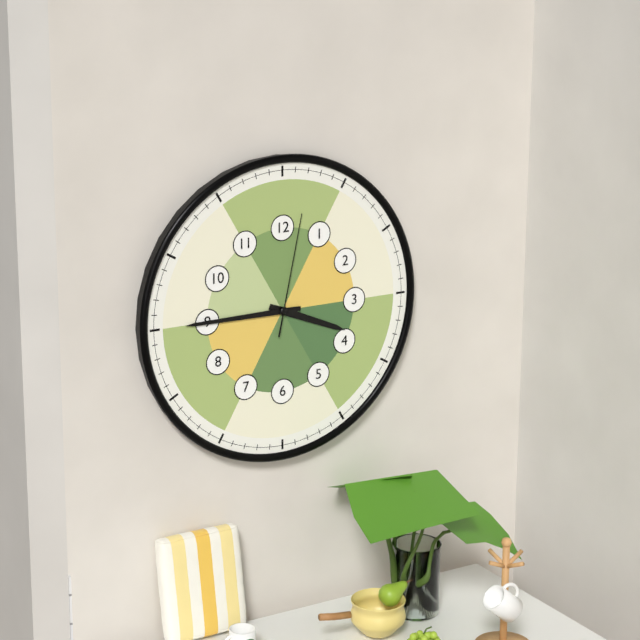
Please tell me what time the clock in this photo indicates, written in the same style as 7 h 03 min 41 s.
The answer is 3 h 45 min 02 s
